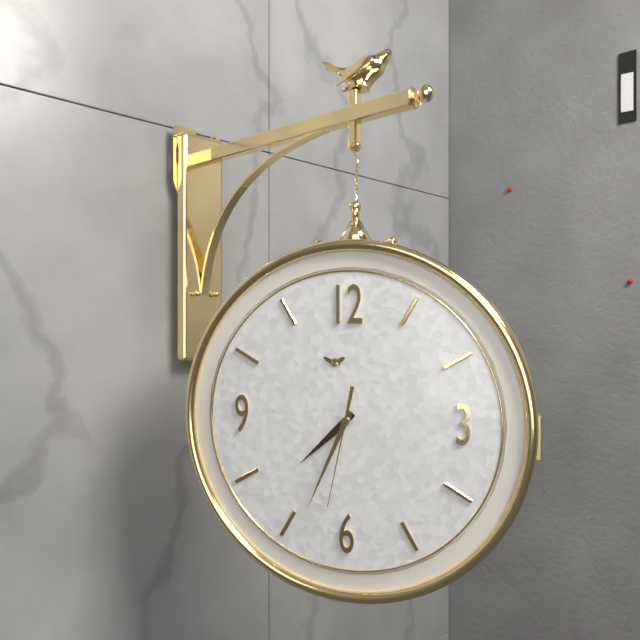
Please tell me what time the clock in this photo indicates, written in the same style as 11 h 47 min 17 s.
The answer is 7 h 34 min 32 s
